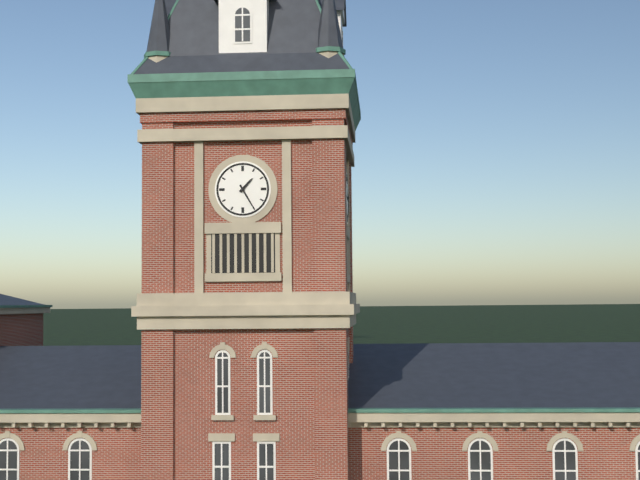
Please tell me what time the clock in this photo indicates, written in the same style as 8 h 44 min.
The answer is 1 h 25 min
